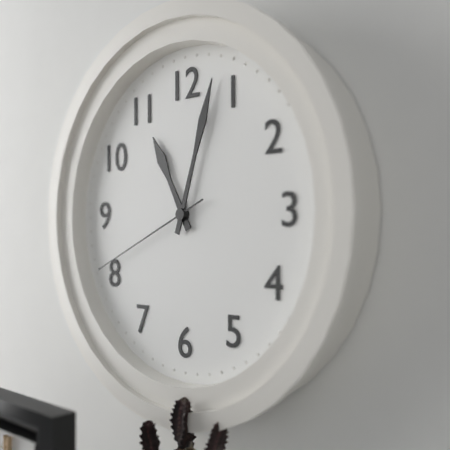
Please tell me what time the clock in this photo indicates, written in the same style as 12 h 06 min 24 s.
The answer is 11 h 03 min 41 s
